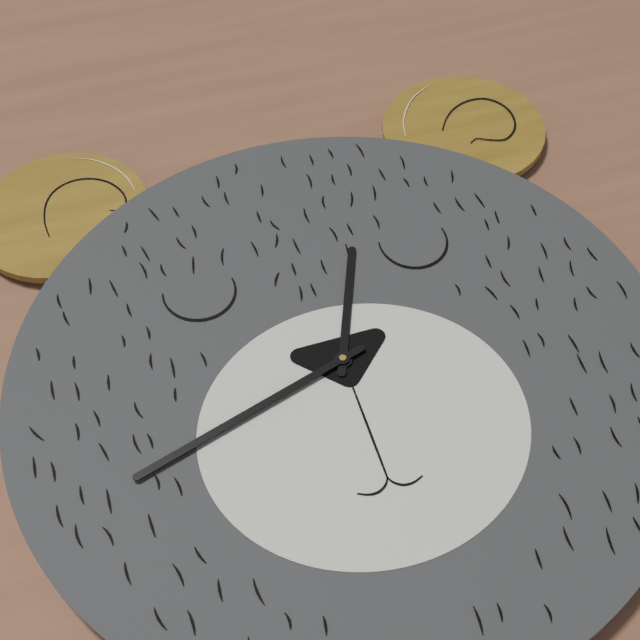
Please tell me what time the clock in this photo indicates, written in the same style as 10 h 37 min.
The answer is 12 h 42 min
